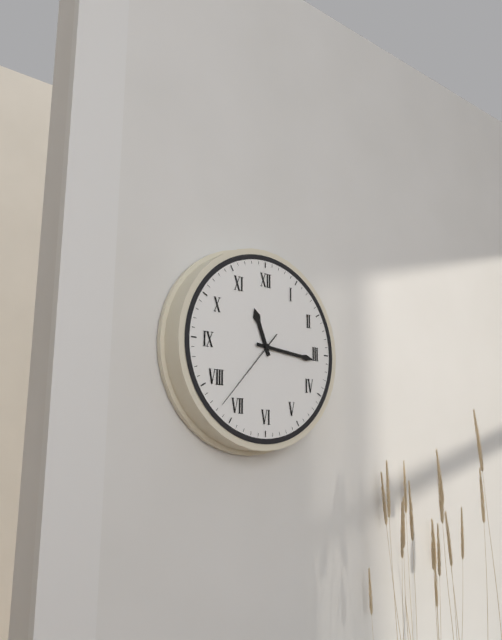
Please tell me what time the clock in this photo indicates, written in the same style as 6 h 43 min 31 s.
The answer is 11 h 16 min 37 s
